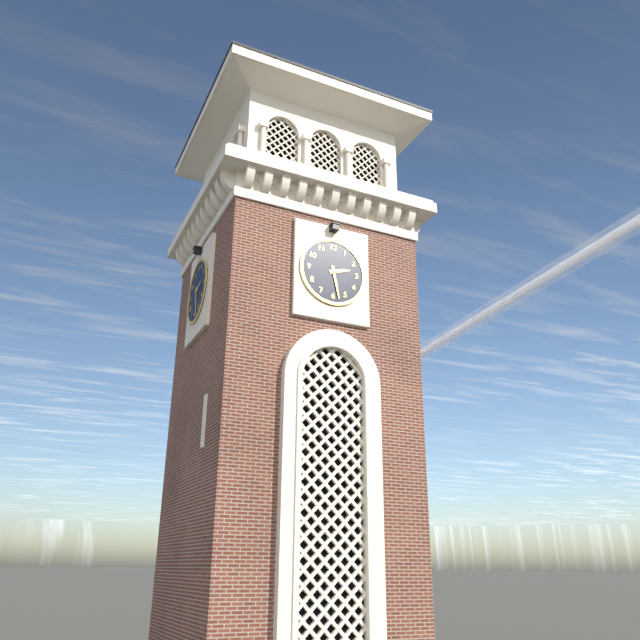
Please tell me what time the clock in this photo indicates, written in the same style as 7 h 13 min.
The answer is 2 h 28 min
